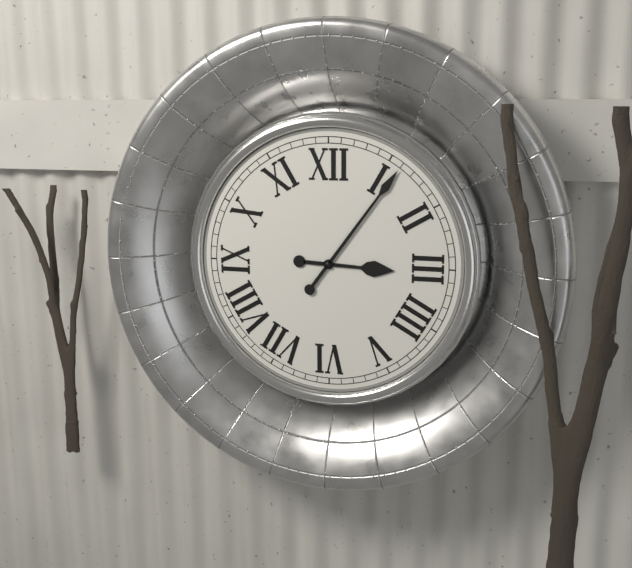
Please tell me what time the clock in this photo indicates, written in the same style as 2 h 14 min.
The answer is 3 h 06 min
